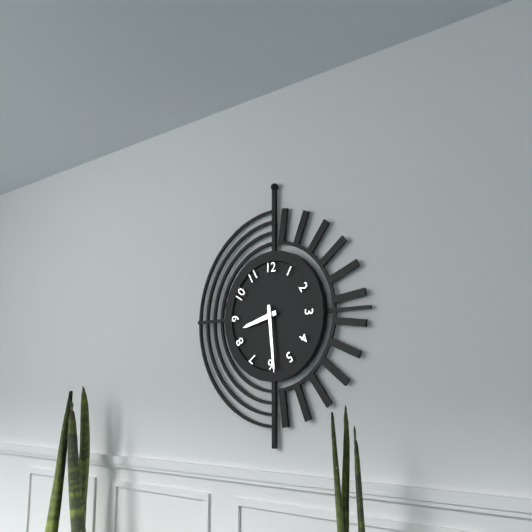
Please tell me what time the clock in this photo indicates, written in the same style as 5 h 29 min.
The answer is 8 h 29 min
